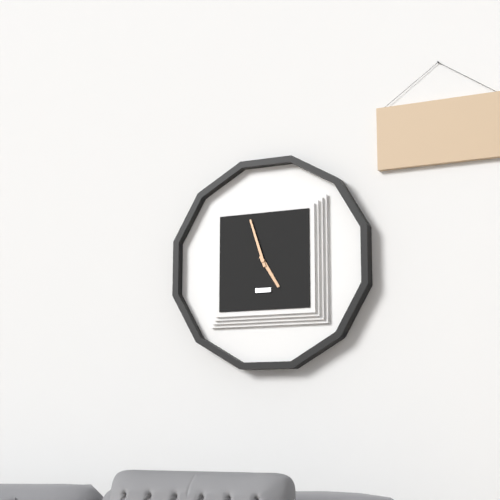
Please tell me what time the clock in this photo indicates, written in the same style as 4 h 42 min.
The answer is 4 h 57 min
